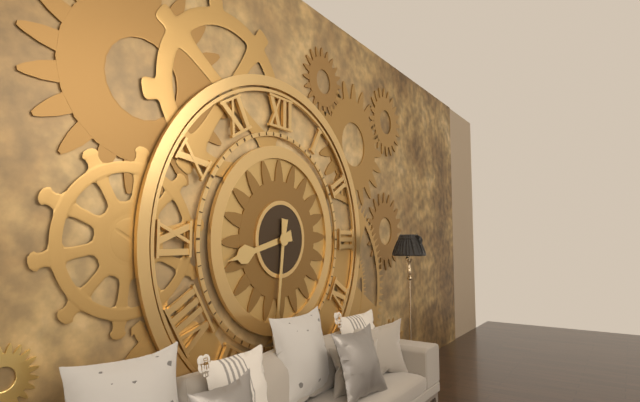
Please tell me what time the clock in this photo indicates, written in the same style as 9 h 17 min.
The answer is 8 h 31 min
